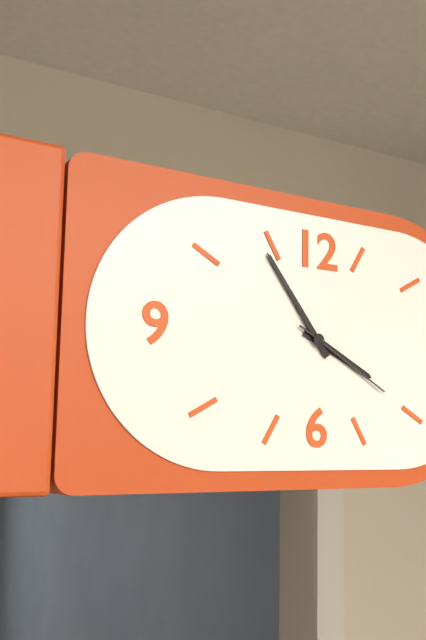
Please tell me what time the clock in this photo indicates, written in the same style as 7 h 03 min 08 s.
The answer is 3 h 54 min 20 s
